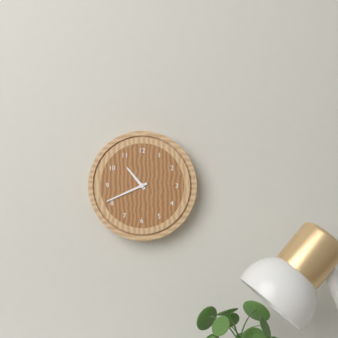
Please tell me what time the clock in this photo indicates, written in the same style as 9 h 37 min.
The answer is 10 h 41 min
